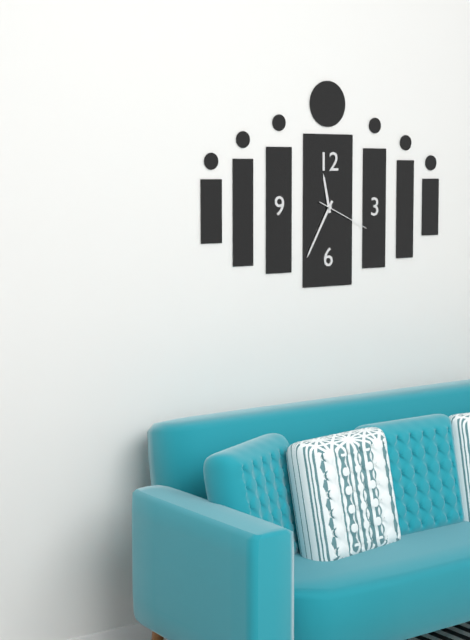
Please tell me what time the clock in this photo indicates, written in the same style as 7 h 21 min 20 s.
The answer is 11 h 35 min 19 s
